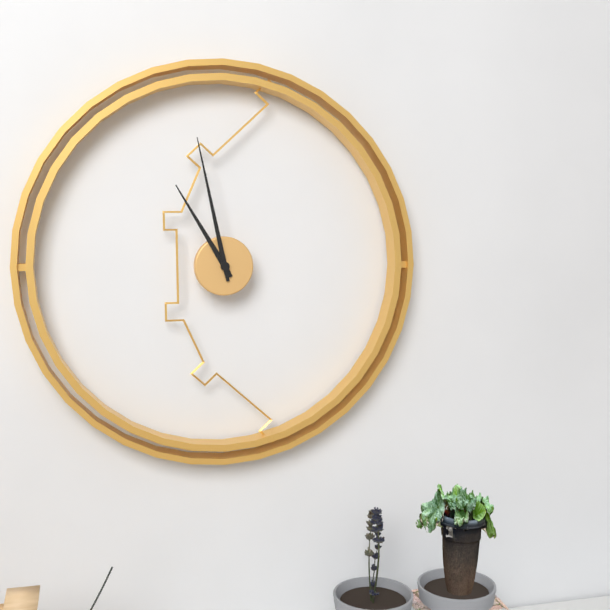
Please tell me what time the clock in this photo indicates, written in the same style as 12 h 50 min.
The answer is 10 h 58 min
